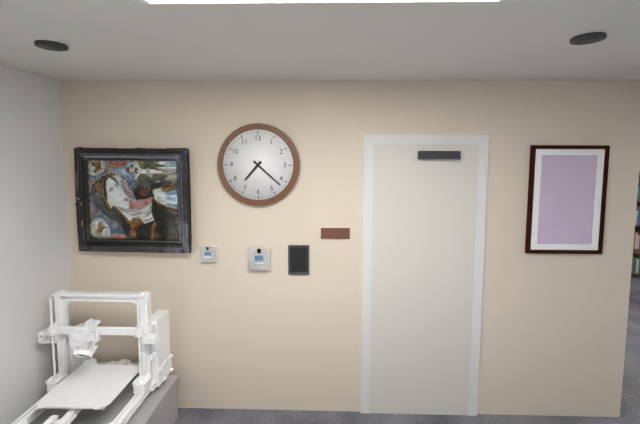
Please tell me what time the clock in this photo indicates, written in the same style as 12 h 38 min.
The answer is 7 h 22 min
